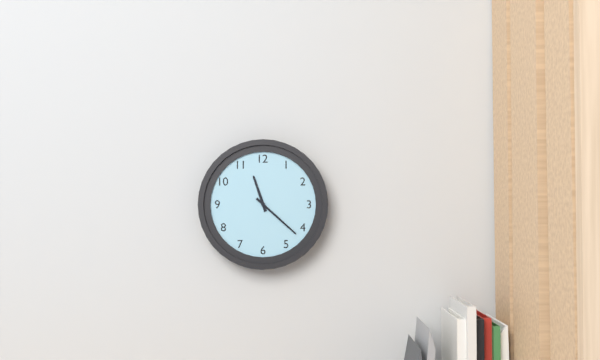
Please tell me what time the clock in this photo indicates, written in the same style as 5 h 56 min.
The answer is 11 h 22 min
